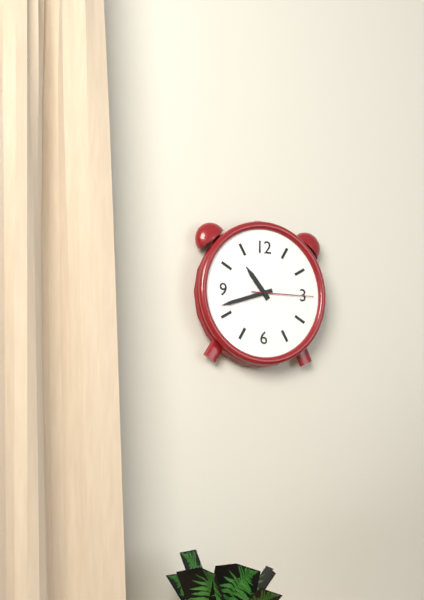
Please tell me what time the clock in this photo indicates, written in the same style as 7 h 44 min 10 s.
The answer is 10 h 42 min 15 s
